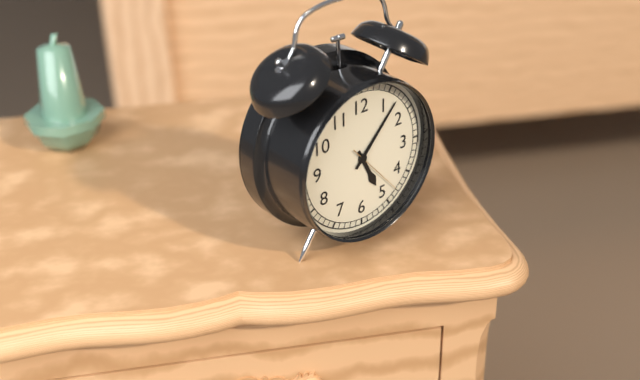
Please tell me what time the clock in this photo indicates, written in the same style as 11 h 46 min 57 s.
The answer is 5 h 07 min 23 s
